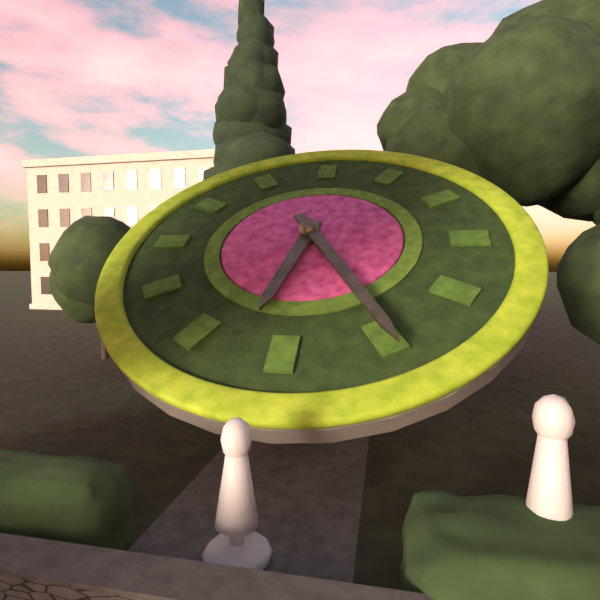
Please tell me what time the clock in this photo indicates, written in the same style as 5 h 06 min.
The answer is 6 h 25 min
